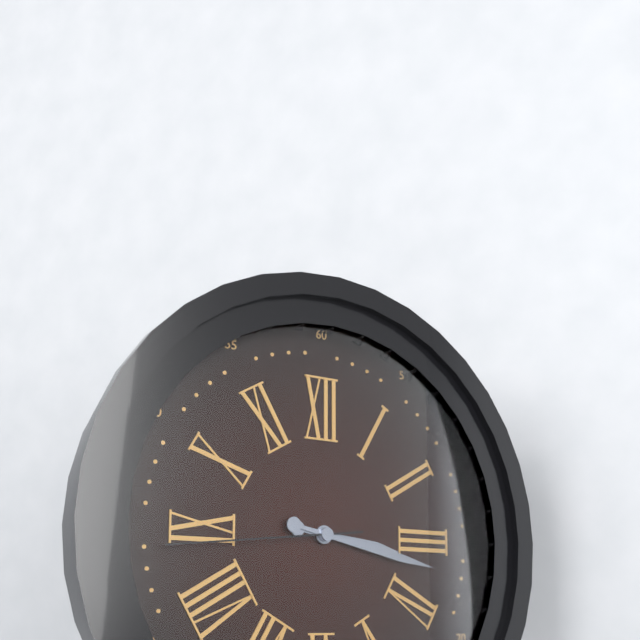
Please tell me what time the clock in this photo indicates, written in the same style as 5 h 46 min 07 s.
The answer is 3 h 17 min 44 s
